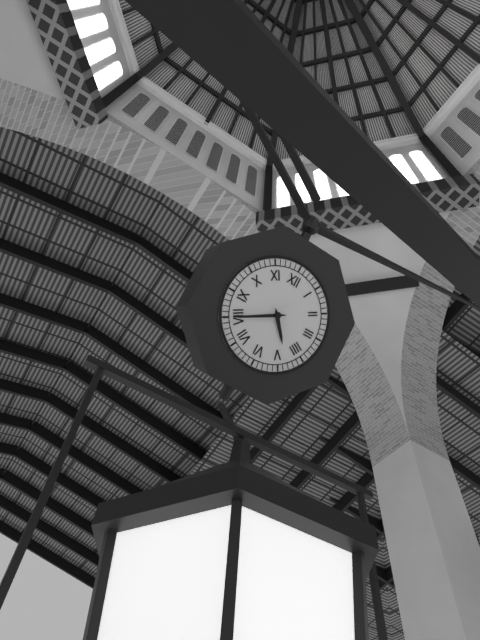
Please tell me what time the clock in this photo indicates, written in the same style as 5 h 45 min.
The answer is 4 h 40 min
